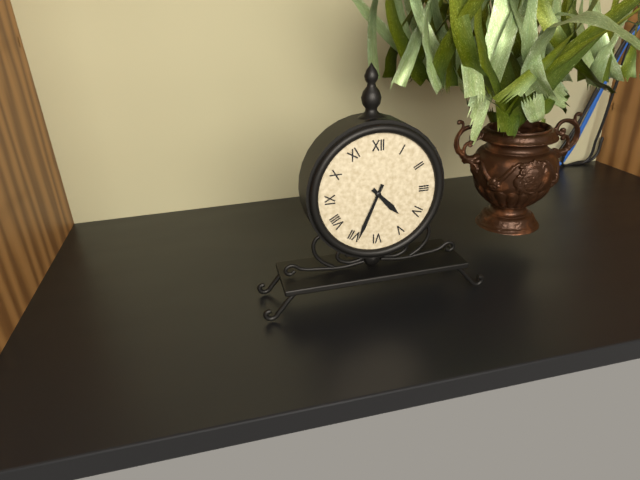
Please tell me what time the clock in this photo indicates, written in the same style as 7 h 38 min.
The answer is 4 h 34 min
